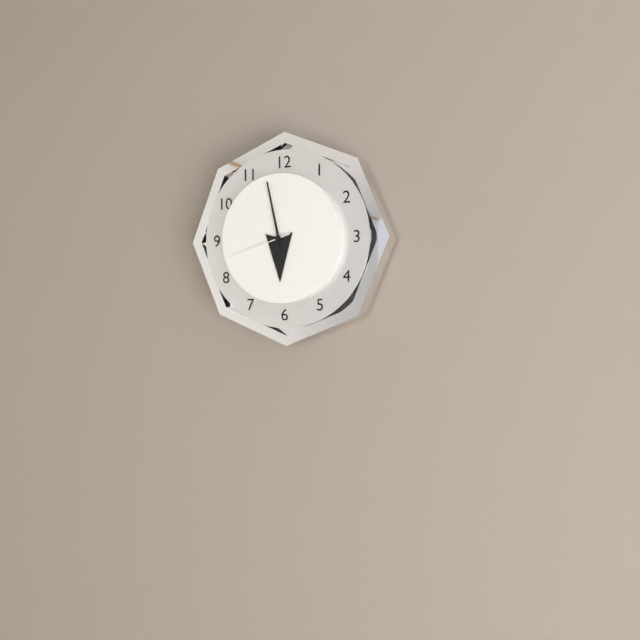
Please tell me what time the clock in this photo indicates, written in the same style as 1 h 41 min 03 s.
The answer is 5 h 58 min 42 s
